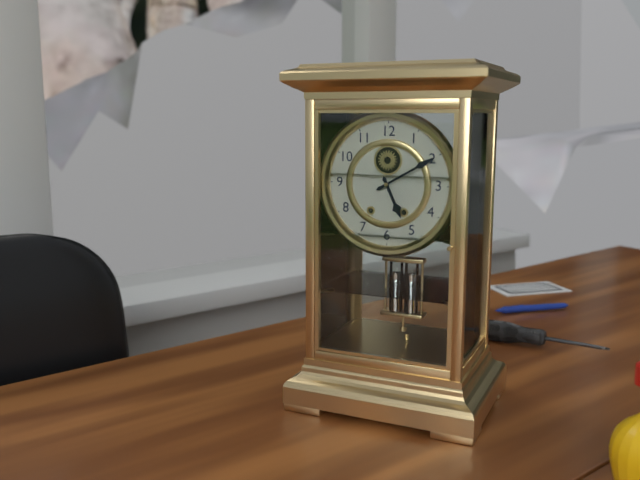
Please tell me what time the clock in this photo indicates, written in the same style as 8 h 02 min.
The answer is 5 h 10 min
